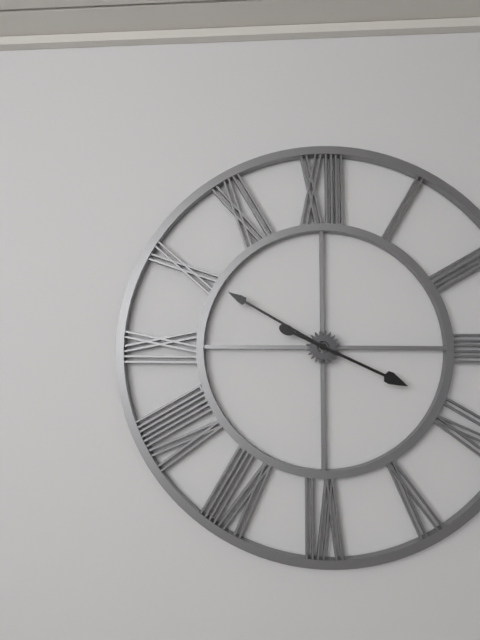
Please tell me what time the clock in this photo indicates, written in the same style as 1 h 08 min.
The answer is 3 h 50 min
